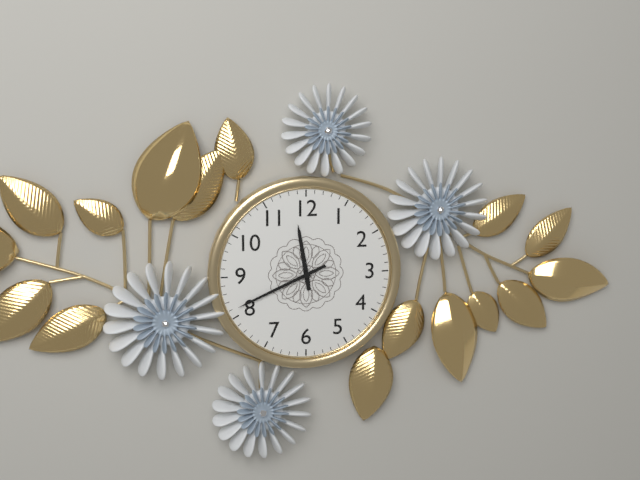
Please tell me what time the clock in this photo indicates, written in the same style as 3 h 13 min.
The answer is 11 h 41 min
